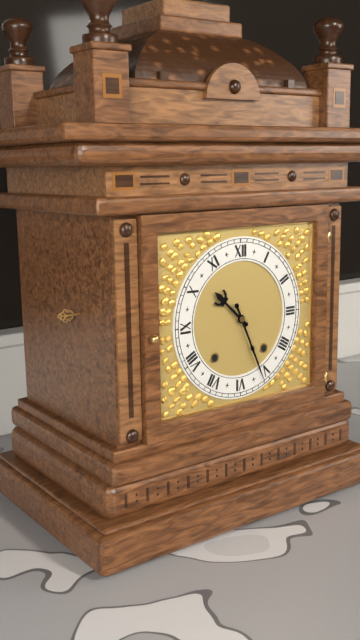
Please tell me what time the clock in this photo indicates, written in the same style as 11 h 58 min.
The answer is 10 h 26 min
